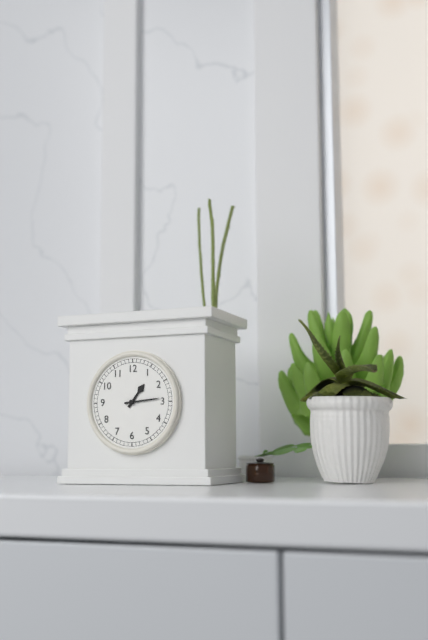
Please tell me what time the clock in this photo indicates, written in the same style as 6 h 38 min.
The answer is 1 h 14 min
